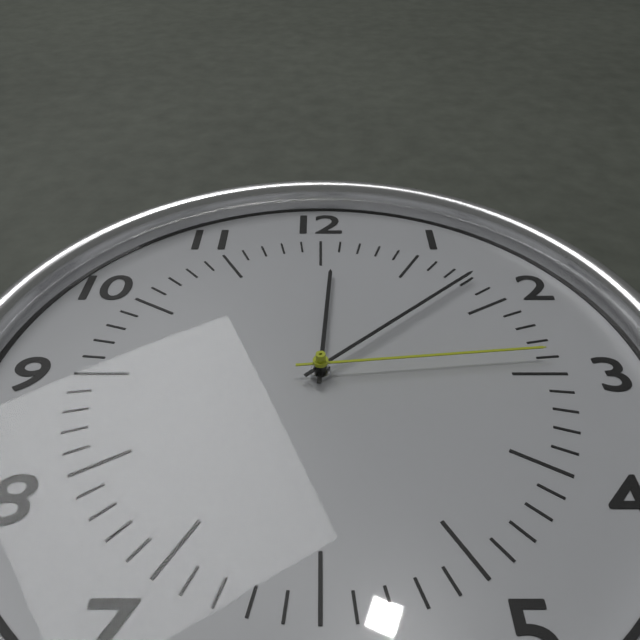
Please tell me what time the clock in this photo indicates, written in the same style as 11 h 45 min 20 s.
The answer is 12 h 08 min 14 s
